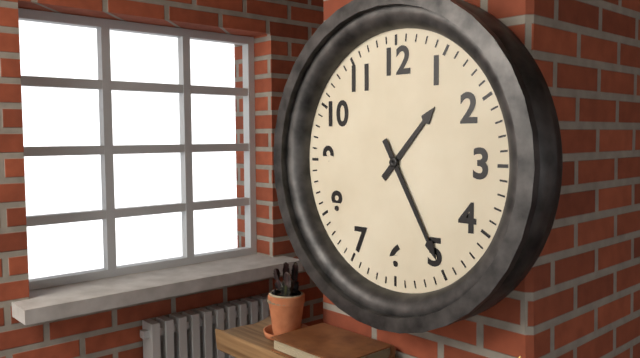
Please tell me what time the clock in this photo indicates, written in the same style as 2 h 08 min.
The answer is 1 h 25 min
